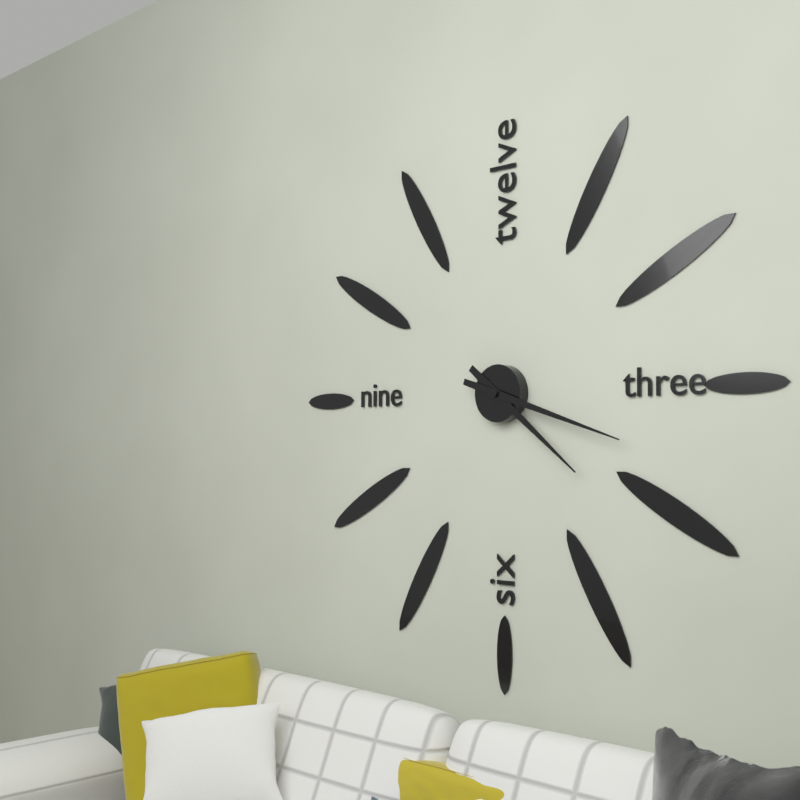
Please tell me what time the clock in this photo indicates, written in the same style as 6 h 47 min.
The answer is 4 h 18 min
